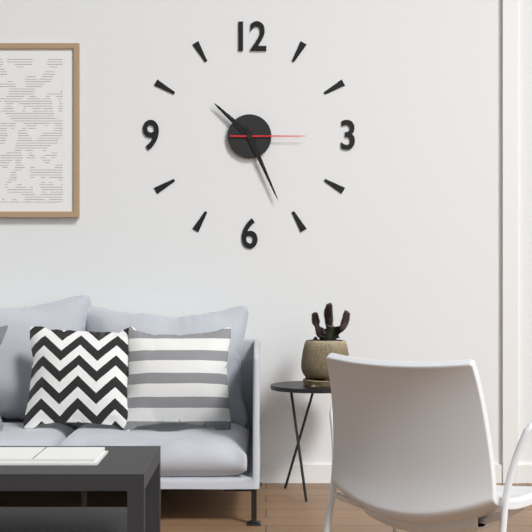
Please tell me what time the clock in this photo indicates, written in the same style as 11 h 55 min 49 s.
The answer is 10 h 26 min 15 s
